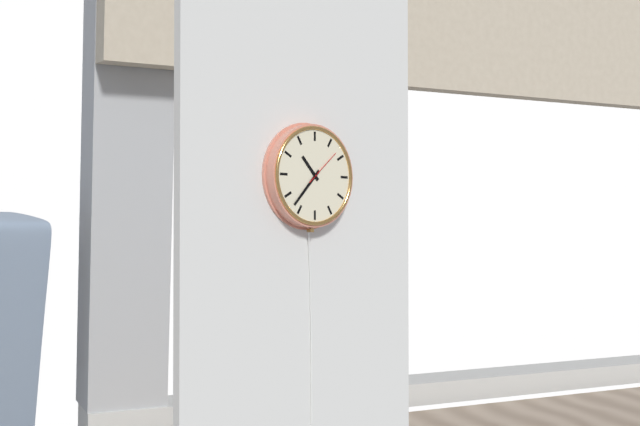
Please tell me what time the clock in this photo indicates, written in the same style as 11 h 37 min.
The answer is 10 h 37 min
